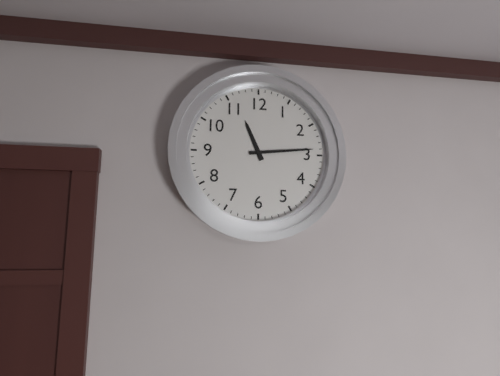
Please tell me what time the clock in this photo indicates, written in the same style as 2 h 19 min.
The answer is 11 h 14 min
